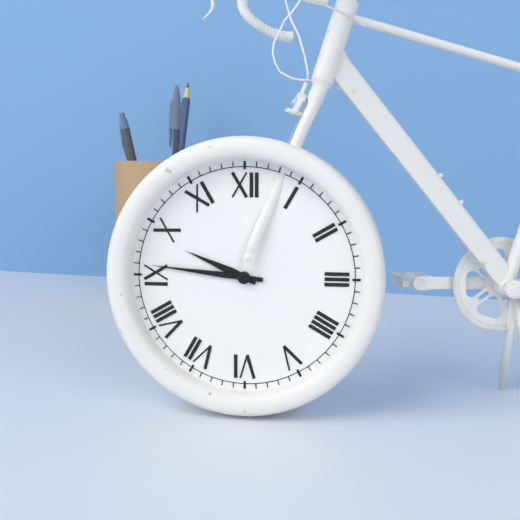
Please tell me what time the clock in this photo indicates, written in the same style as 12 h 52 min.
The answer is 9 h 46 min
